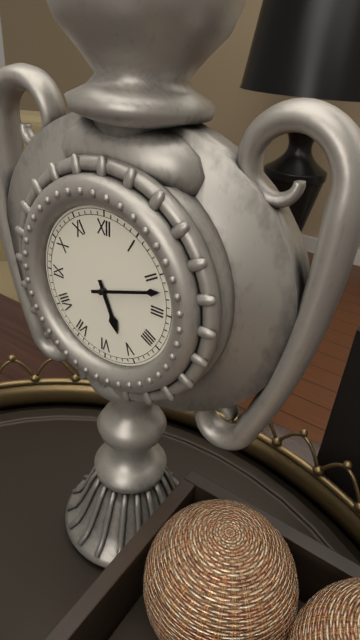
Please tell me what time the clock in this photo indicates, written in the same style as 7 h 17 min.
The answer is 5 h 12 min
